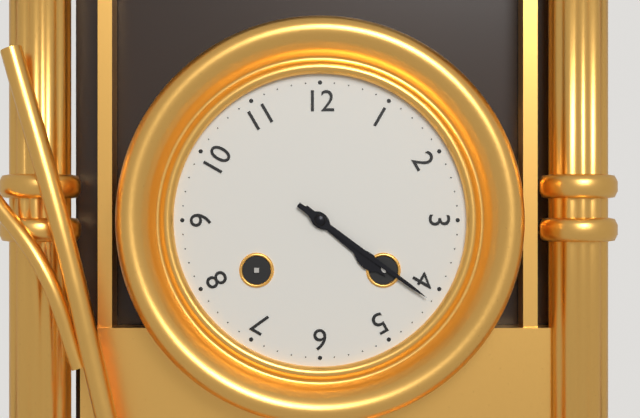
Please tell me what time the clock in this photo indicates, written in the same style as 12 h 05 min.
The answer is 4 h 21 min
